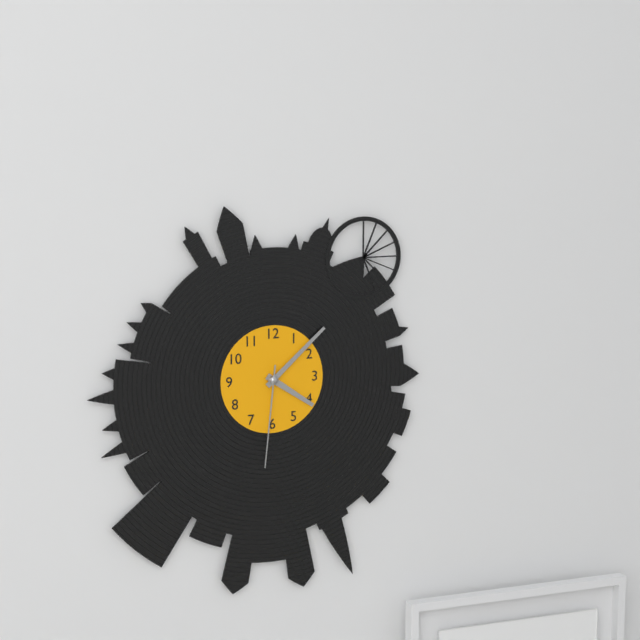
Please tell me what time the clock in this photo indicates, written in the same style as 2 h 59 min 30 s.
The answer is 4 h 08 min 31 s
